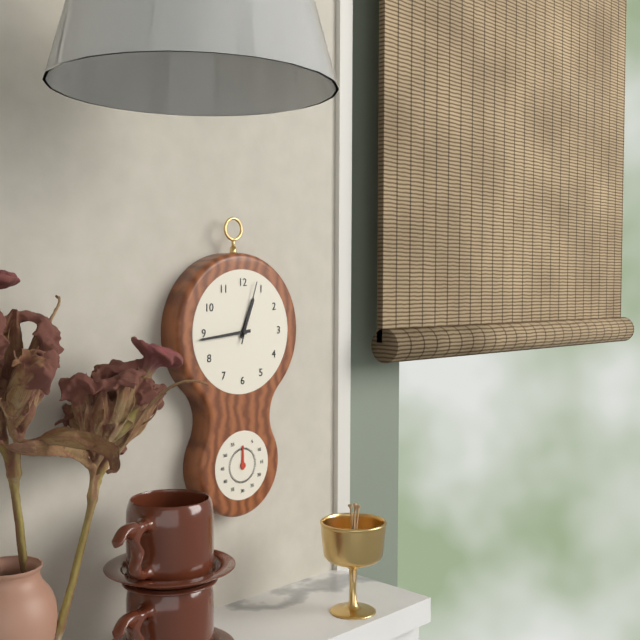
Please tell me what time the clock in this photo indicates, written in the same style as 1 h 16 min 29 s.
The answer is 12 h 44 min 03 s
